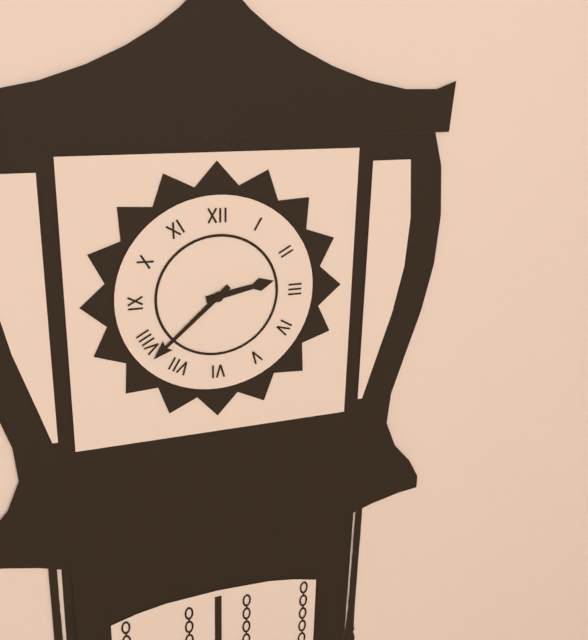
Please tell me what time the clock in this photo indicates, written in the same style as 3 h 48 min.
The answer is 2 h 38 min
